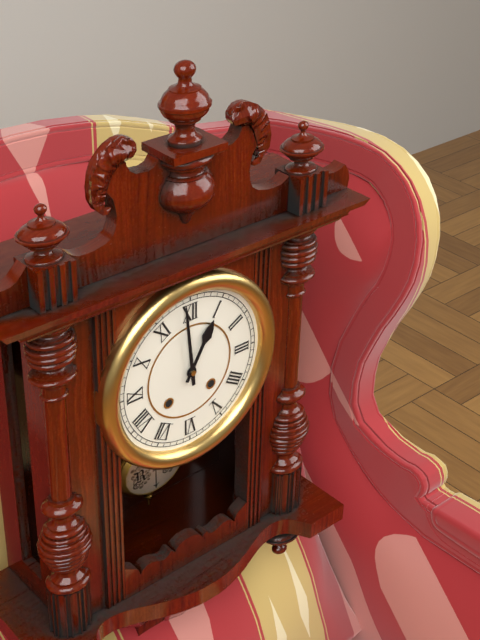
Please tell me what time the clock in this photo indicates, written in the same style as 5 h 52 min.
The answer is 12 h 59 min
